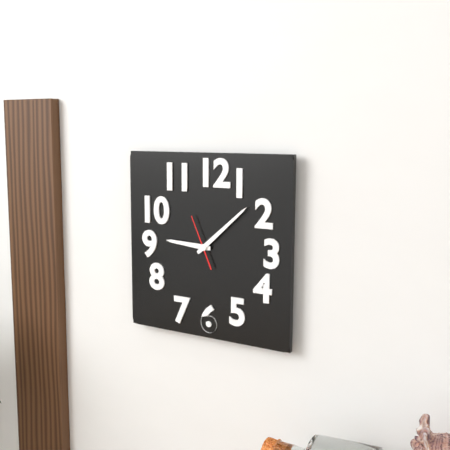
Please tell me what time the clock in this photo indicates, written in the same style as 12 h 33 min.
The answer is 9 h 08 min
